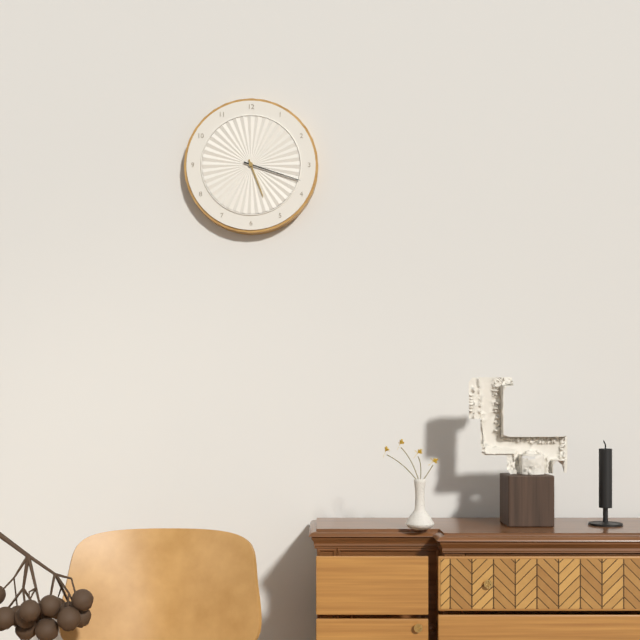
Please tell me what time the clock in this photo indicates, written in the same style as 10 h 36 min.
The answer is 5 h 18 min
